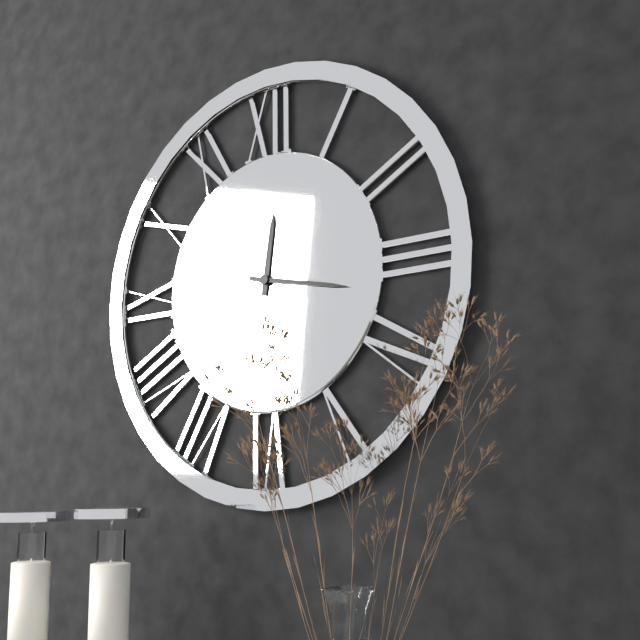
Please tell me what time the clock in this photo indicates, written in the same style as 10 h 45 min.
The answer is 12 h 17 min
